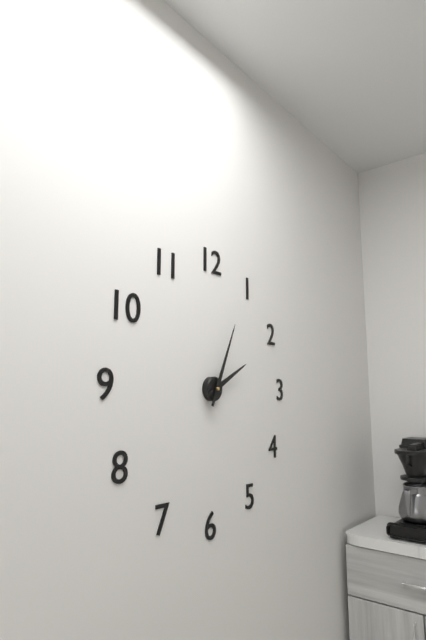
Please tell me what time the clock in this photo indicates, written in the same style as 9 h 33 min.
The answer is 2 h 04 min
